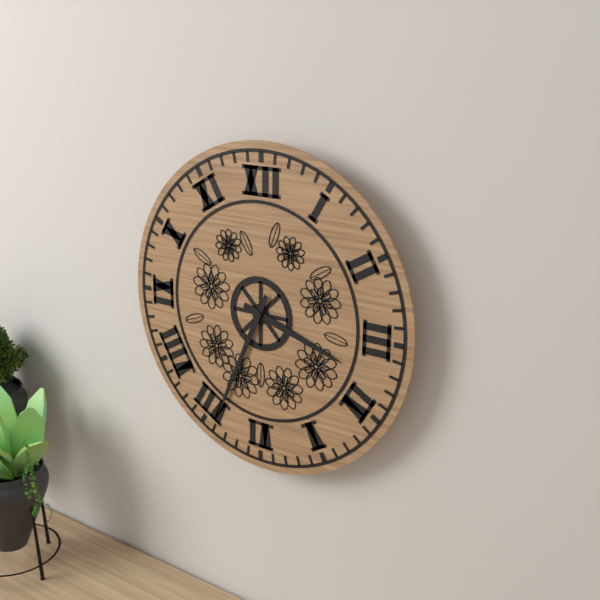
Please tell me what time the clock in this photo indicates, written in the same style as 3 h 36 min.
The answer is 3 h 34 min
